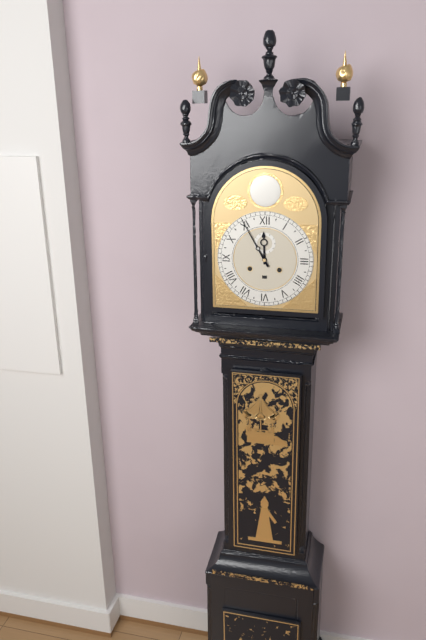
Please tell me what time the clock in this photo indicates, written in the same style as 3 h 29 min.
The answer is 11 h 55 min
